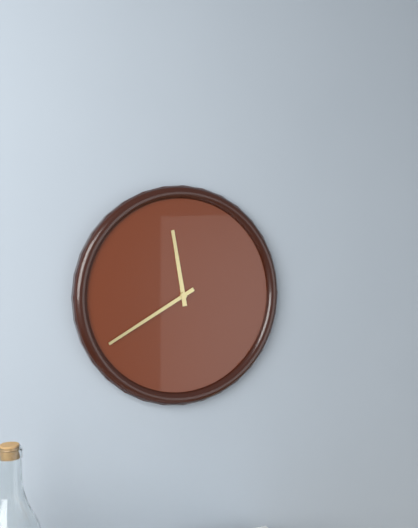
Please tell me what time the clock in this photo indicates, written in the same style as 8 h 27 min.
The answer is 11 h 40 min
